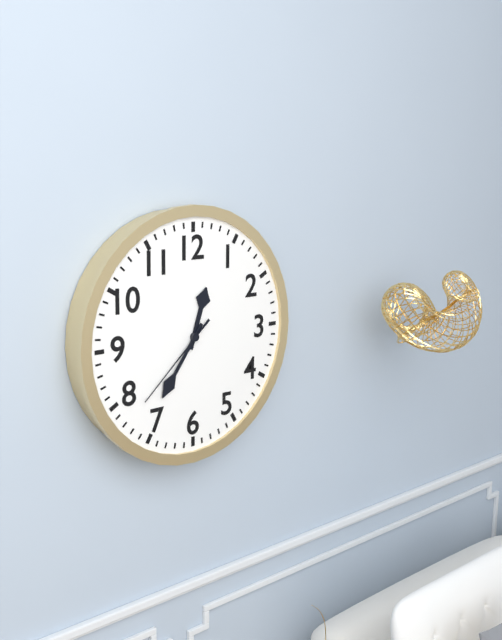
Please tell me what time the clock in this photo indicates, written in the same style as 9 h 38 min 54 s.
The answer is 12 h 36 min 38 s
